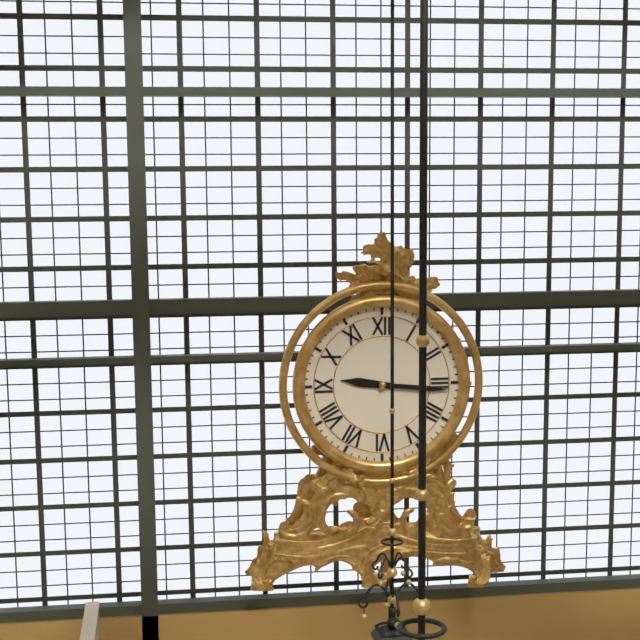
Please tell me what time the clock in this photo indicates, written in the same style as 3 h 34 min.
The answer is 9 h 16 min
